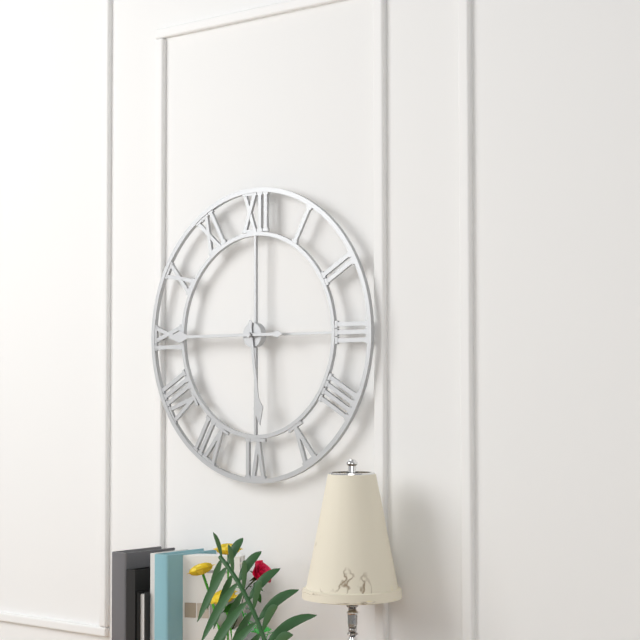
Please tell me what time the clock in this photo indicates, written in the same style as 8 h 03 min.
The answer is 5 h 45 min
